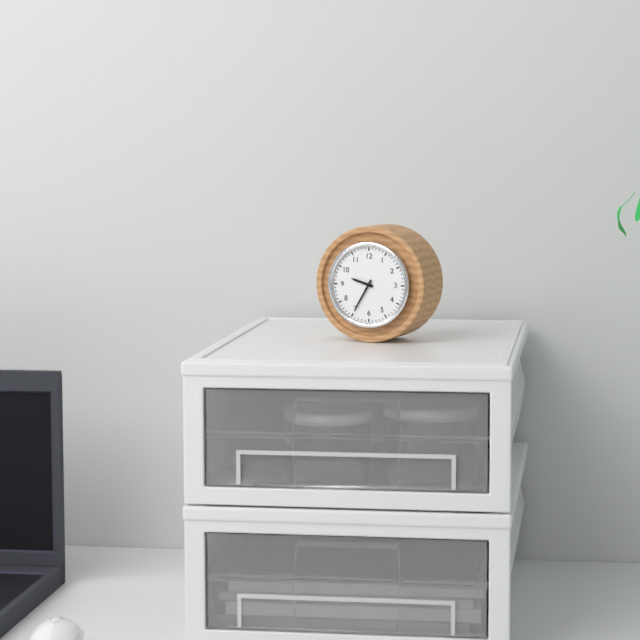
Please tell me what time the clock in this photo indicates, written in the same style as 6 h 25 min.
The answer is 9 h 35 min
